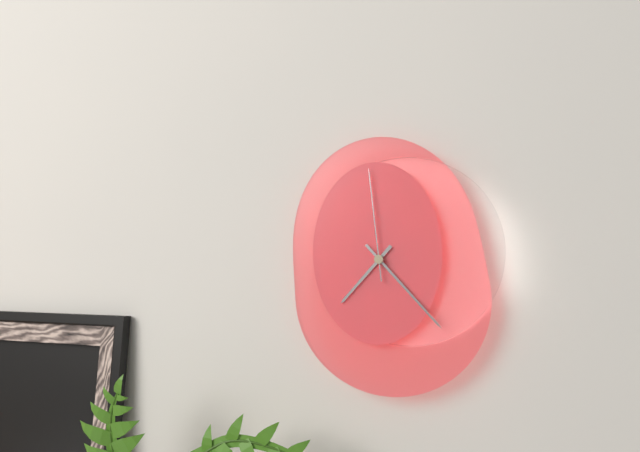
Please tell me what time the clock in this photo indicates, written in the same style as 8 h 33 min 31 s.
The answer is 7 h 23 min 59 s
